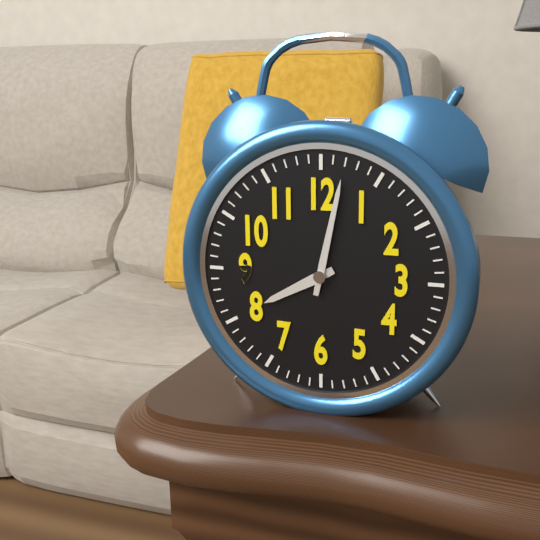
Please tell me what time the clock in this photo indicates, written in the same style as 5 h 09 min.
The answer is 8 h 02 min
